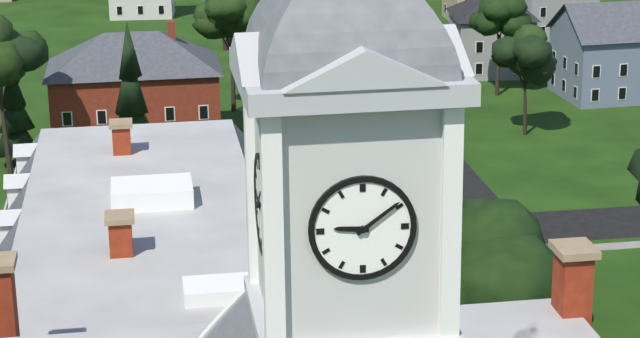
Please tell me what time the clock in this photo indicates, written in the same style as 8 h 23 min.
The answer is 9 h 09 min
